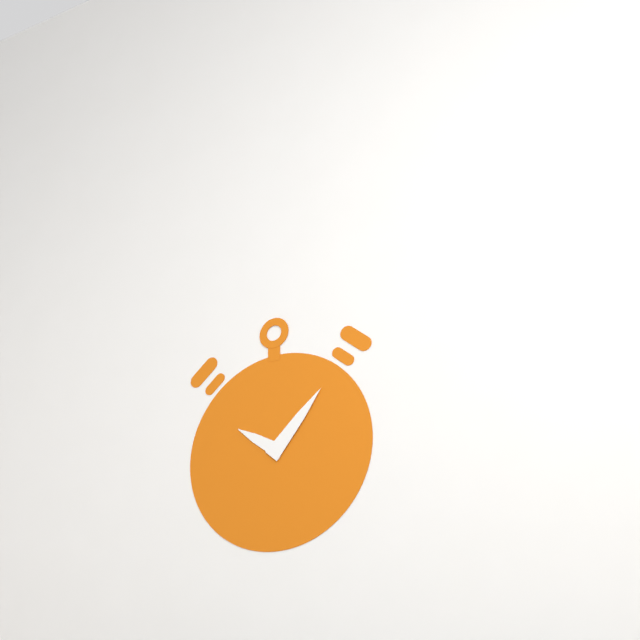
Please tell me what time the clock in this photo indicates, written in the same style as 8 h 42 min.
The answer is 10 h 07 min
